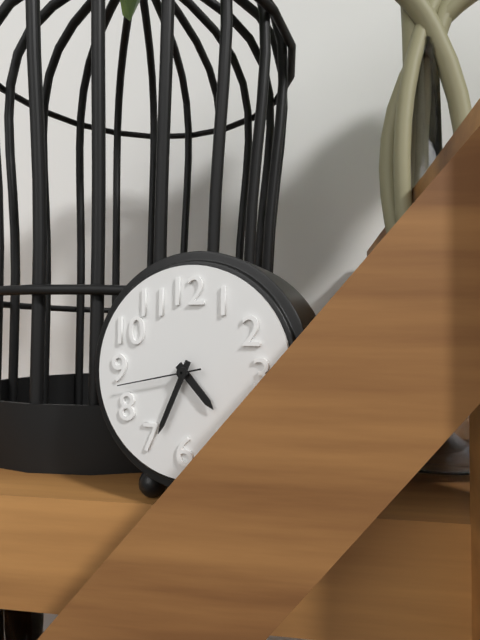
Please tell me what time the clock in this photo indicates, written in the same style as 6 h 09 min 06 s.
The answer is 4 h 34 min 43 s
